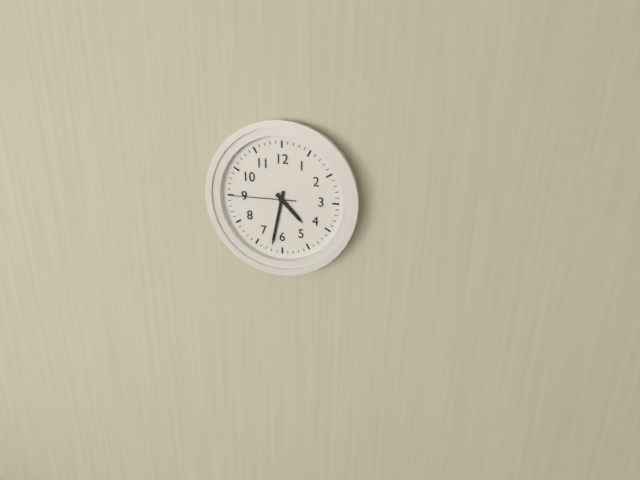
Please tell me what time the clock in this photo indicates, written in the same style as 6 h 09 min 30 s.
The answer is 4 h 32 min 45 s
